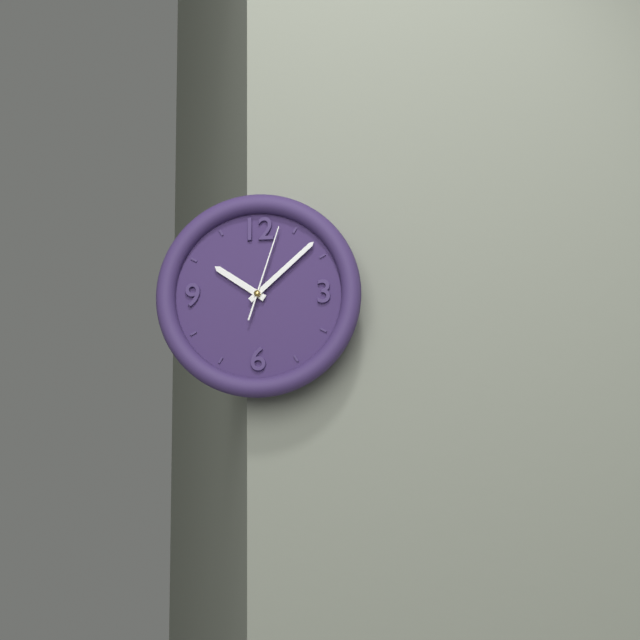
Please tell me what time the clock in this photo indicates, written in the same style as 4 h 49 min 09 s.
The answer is 10 h 08 min 03 s
